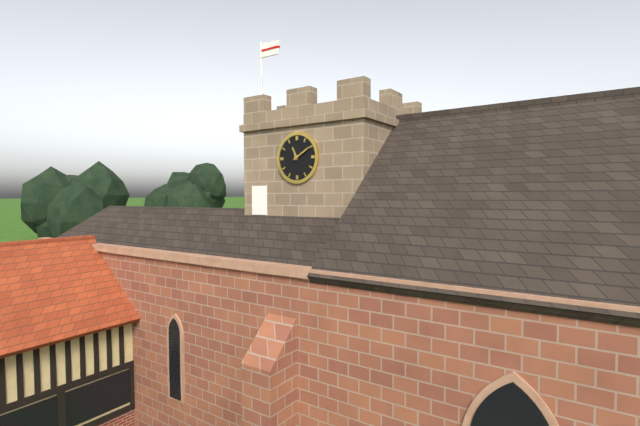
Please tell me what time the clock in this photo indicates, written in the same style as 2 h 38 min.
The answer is 11 h 10 min
